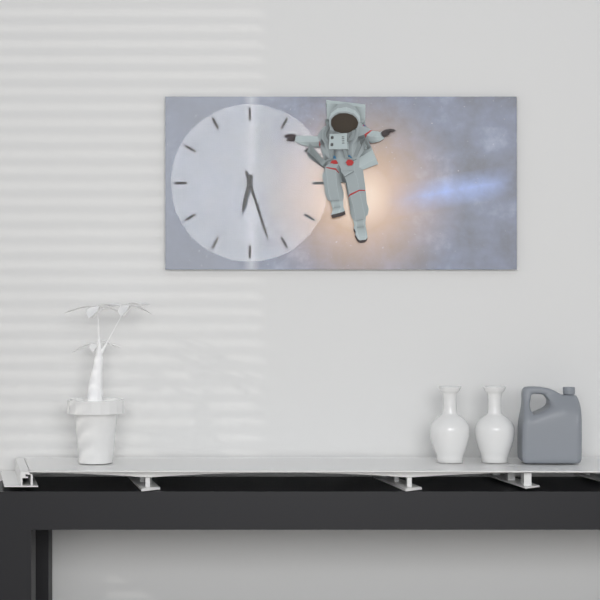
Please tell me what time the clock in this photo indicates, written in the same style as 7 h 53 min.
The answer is 6 h 27 min
